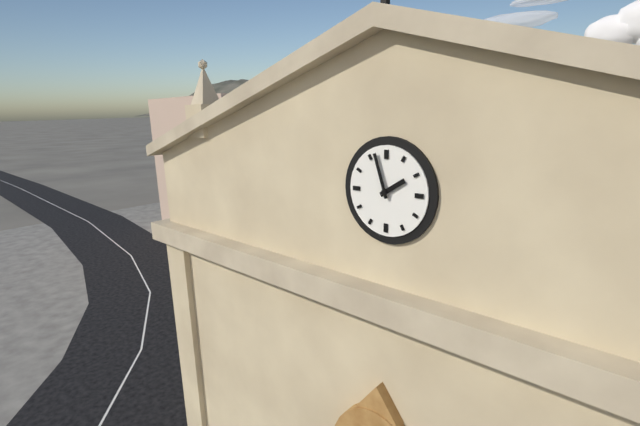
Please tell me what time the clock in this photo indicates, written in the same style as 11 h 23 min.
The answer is 1 h 57 min
